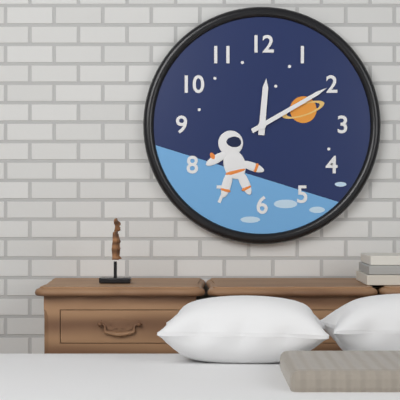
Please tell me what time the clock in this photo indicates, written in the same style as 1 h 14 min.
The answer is 12 h 10 min
